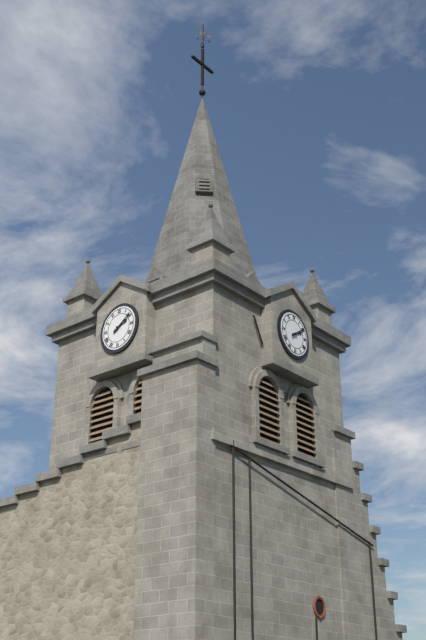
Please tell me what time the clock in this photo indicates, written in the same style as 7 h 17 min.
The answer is 2 h 09 min
